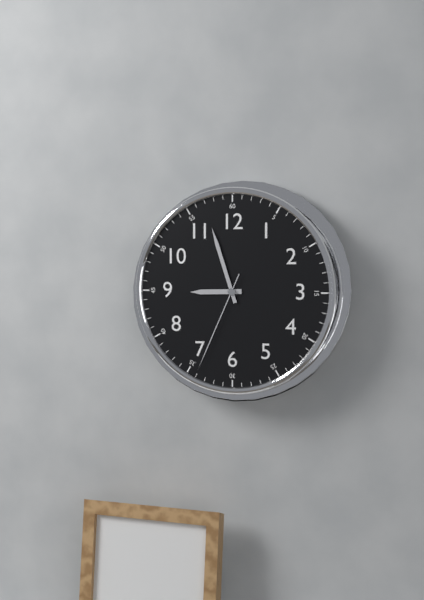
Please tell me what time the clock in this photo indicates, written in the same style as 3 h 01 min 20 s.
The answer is 8 h 57 min 34 s
